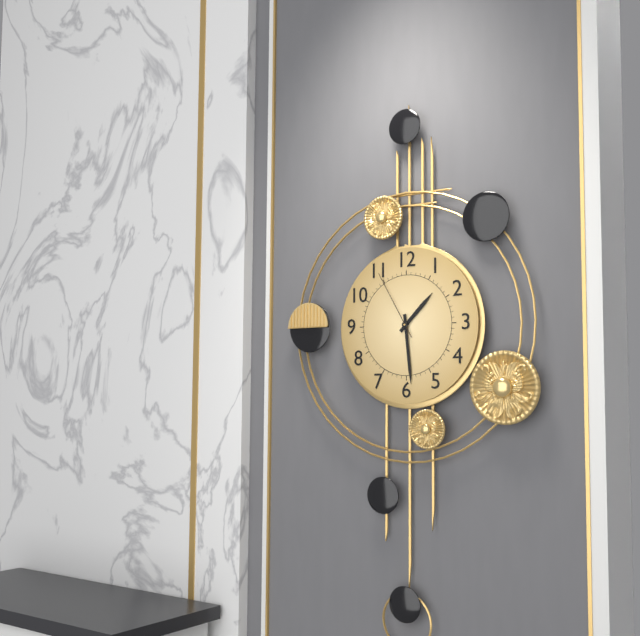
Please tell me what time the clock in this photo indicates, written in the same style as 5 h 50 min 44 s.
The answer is 1 h 29 min 55 s
